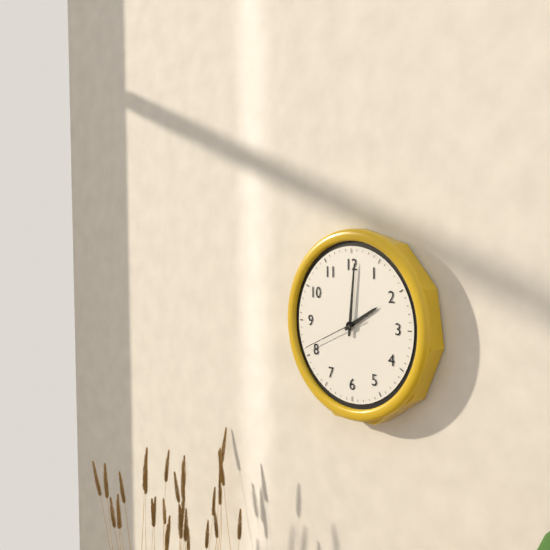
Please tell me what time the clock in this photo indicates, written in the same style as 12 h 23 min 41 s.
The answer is 2 h 01 min 41 s
